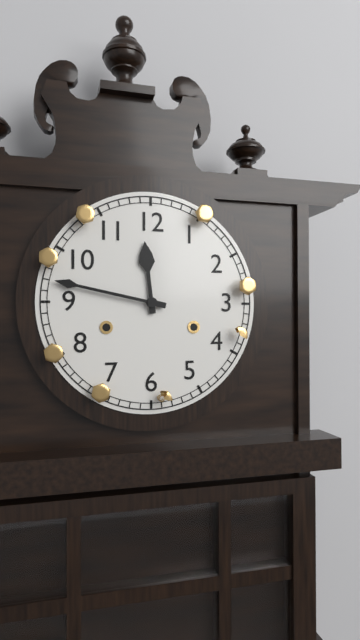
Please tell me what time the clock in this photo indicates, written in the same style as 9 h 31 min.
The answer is 11 h 47 min
